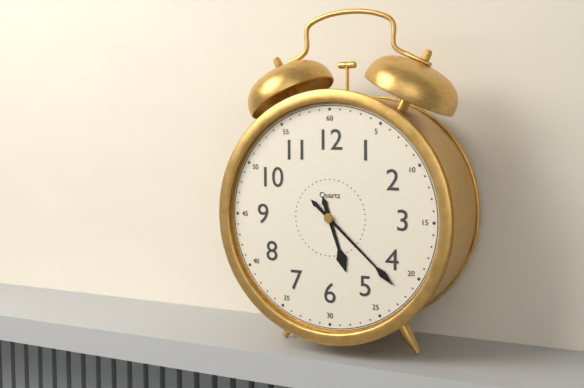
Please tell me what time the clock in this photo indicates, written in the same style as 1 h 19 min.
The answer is 5 h 22 min
